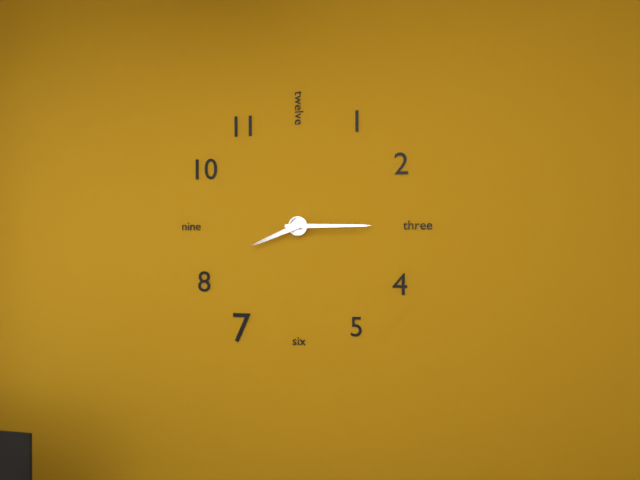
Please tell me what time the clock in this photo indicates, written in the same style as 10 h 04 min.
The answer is 8 h 15 min
